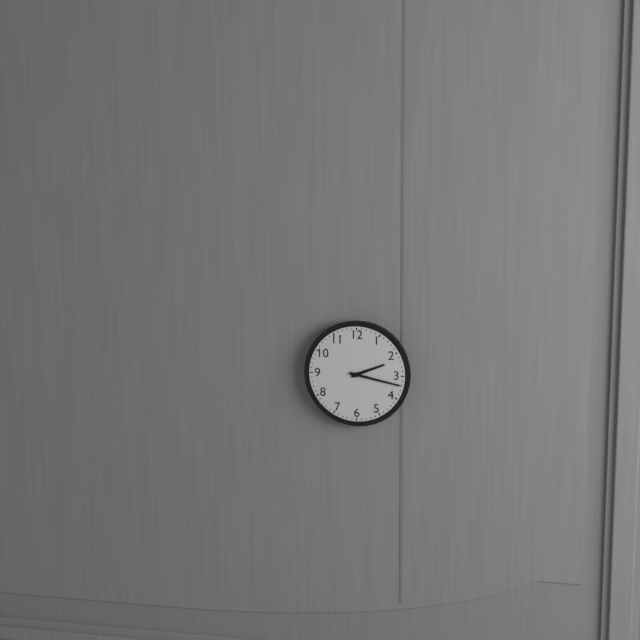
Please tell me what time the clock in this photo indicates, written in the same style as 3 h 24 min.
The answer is 2 h 17 min
